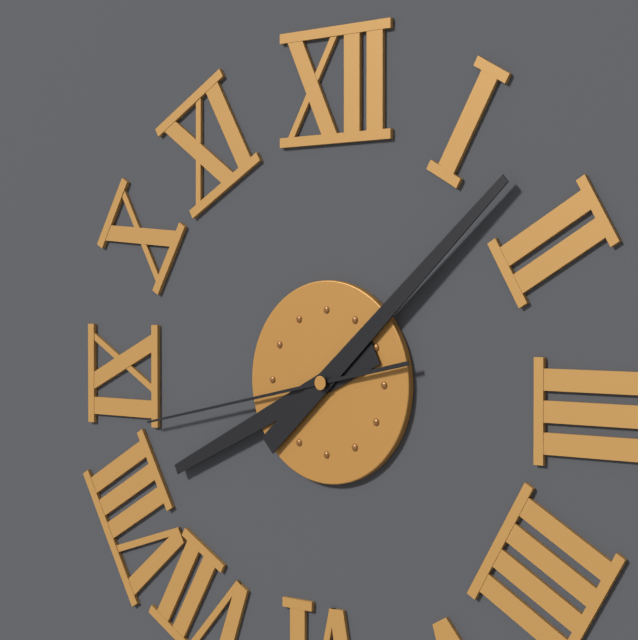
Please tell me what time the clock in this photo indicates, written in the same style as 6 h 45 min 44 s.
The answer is 8 h 08 min 43 s
